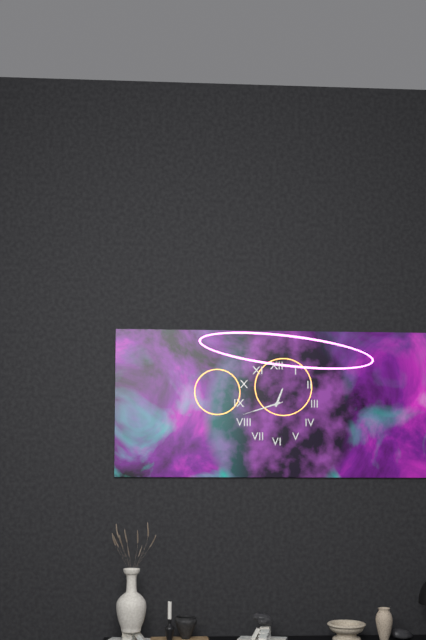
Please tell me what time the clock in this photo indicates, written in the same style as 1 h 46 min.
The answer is 12 h 42 min
